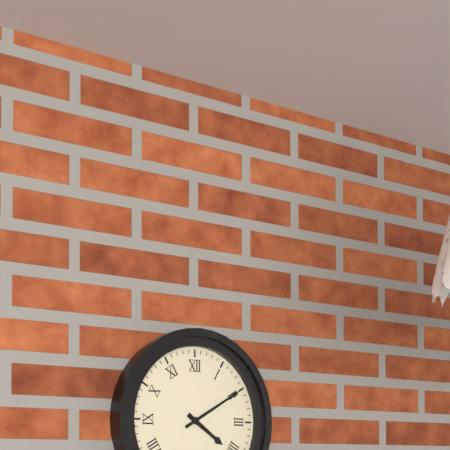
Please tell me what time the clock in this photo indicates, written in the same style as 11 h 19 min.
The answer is 4 h 10 min
